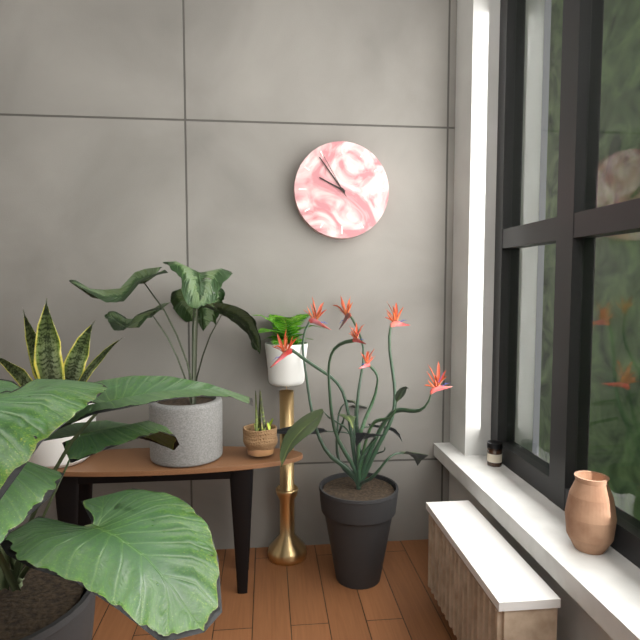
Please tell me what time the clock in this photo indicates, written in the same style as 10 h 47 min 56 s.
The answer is 9 h 54 min 55 s
